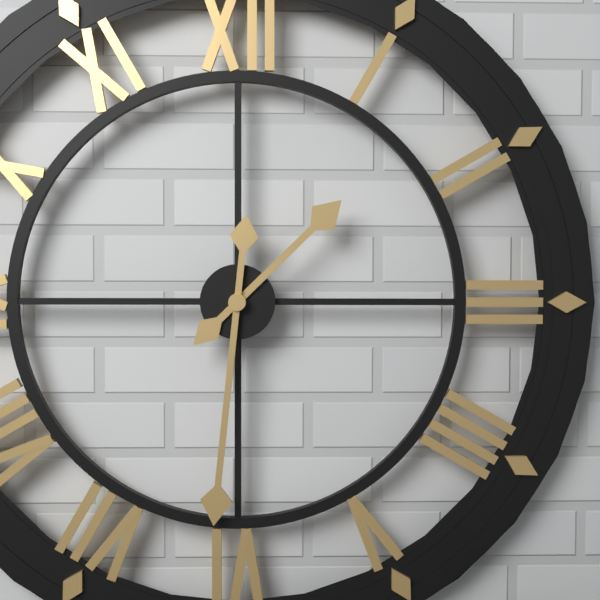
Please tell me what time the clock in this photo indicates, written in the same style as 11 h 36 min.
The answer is 1 h 31 min
